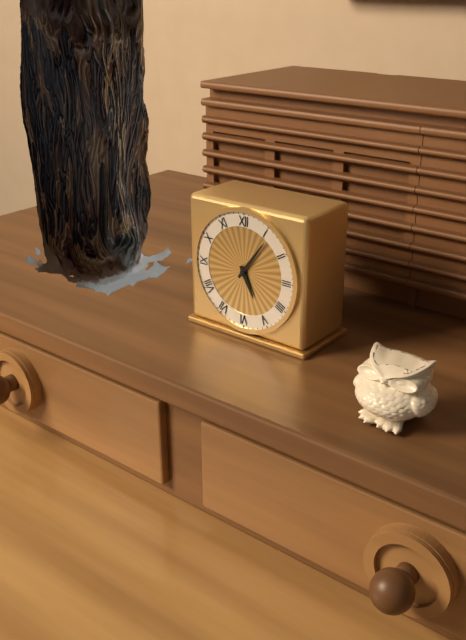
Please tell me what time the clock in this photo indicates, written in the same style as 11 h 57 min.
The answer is 5 h 06 min
